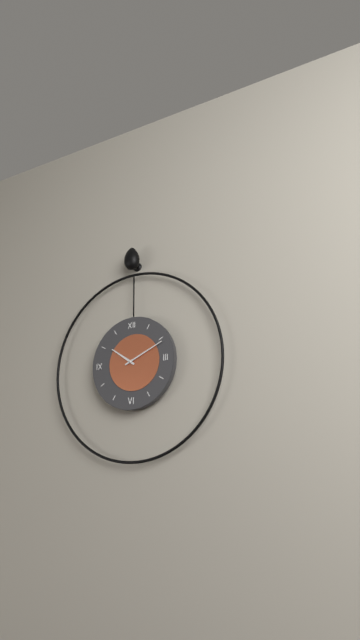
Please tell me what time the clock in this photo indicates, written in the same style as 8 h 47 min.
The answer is 10 h 11 min
